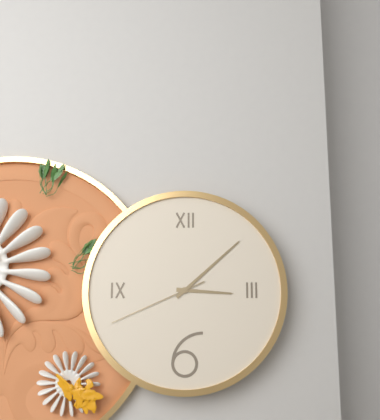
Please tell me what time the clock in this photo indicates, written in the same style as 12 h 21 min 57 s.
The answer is 3 h 08 min 41 s
